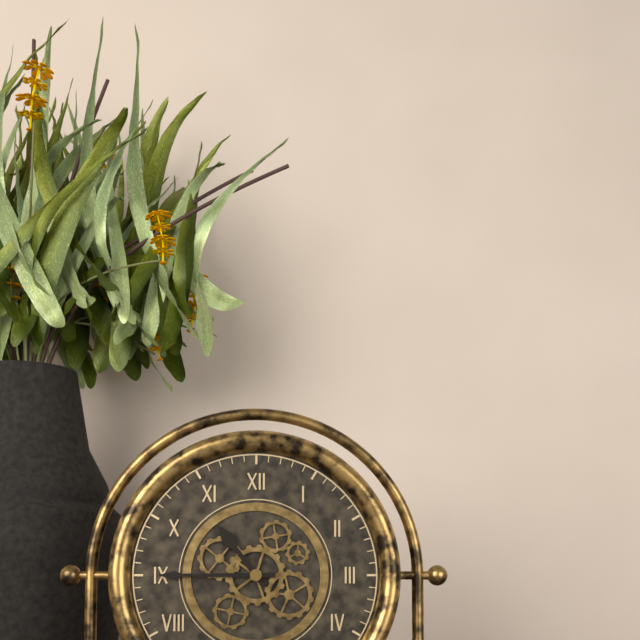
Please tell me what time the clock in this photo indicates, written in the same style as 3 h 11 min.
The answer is 10 h 45 min
